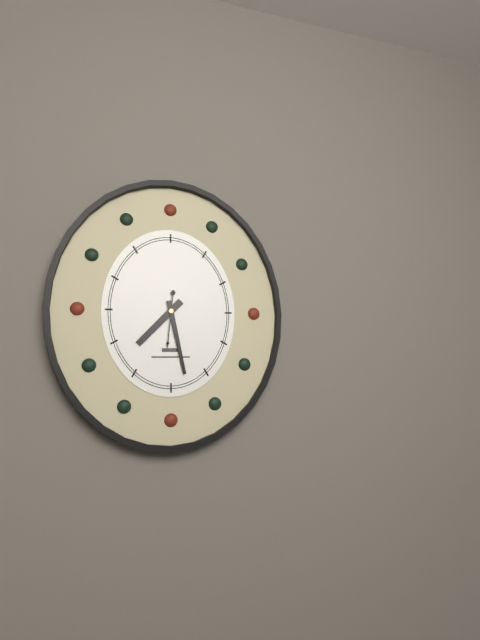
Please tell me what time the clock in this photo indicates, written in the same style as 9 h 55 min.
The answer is 7 h 28 min
